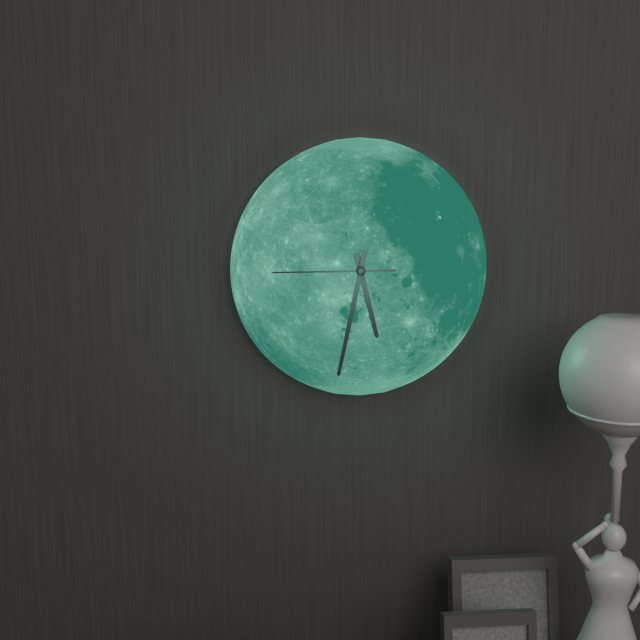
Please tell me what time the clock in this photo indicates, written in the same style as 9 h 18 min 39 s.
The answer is 5 h 32 min 45 s
